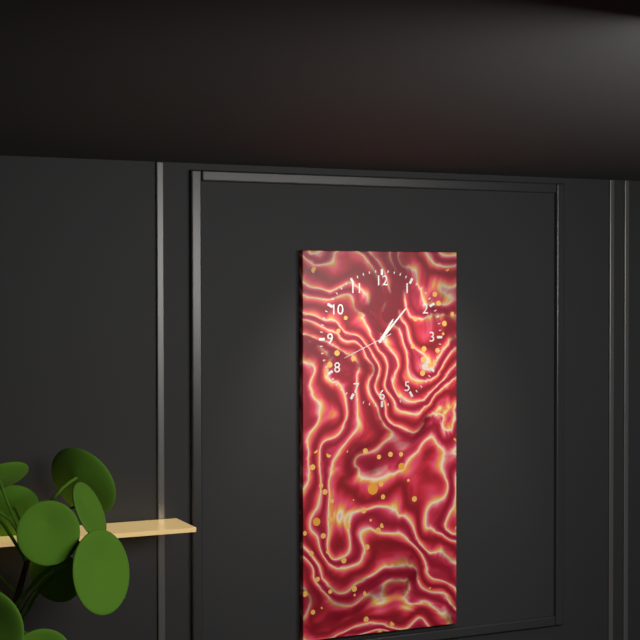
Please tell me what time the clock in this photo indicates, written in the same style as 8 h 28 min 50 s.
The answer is 1 h 07 min 41 s
